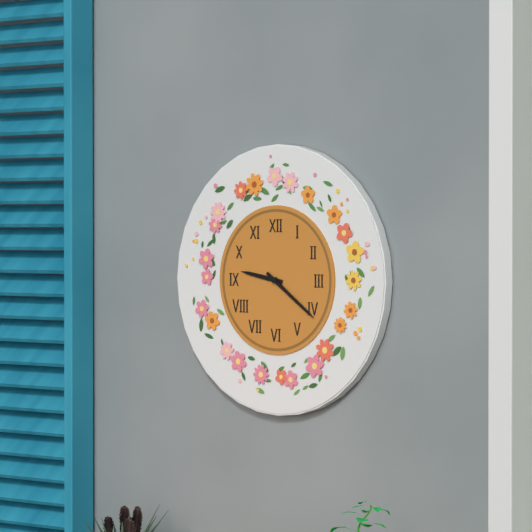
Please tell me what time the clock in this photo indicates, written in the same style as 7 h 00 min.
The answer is 9 h 21 min
